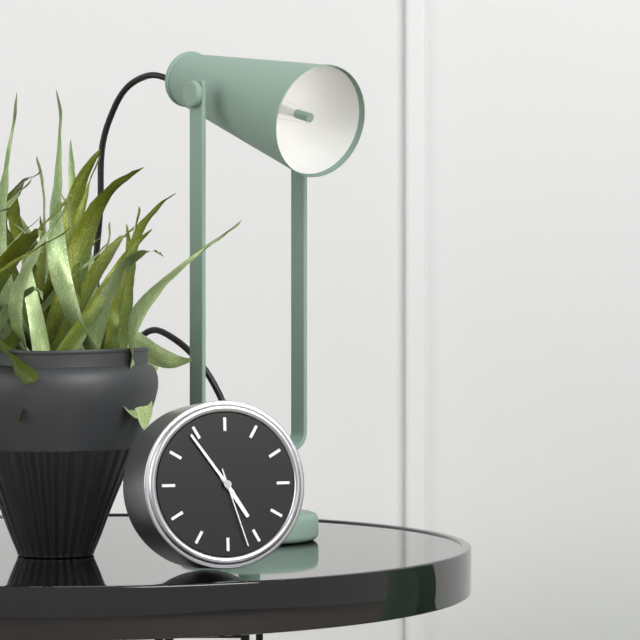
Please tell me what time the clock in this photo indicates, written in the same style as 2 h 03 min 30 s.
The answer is 4 h 54 min 27 s
